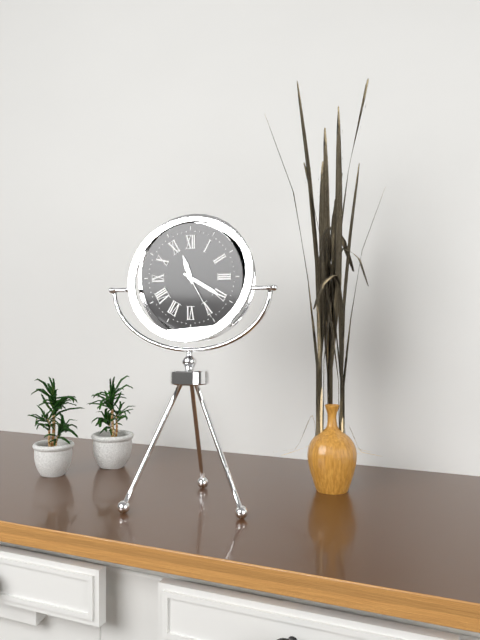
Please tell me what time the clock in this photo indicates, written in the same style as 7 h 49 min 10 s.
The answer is 11 h 20 min 25 s
